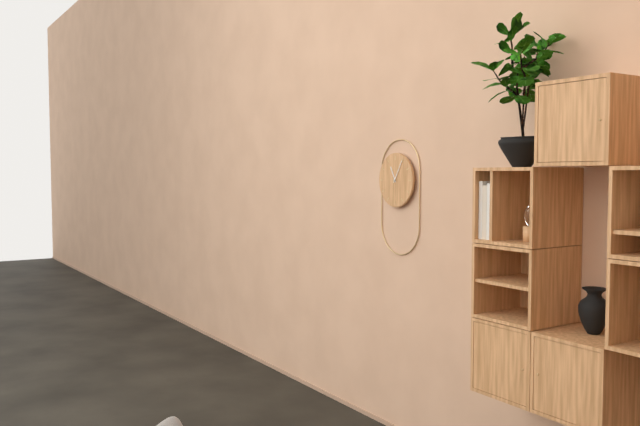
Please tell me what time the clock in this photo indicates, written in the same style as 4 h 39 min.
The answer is 11 h 05 min
